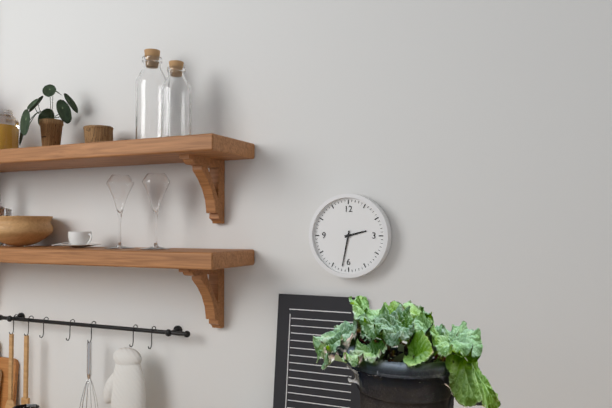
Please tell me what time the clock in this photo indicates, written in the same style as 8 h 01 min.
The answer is 2 h 32 min
